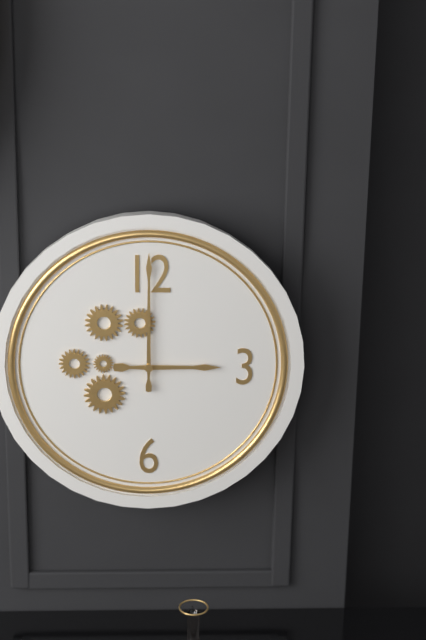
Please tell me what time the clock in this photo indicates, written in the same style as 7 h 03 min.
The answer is 3 h 00 min
